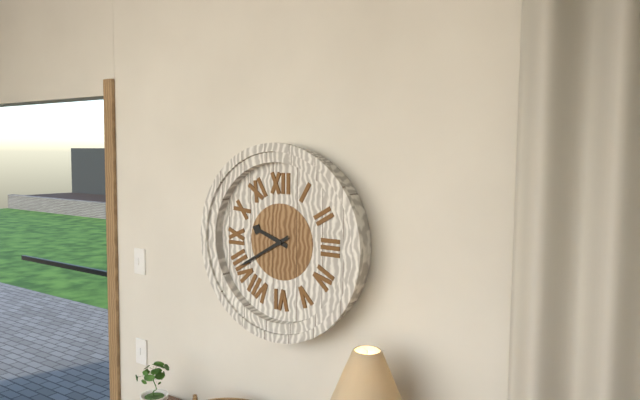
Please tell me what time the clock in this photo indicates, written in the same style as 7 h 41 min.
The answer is 9 h 40 min
